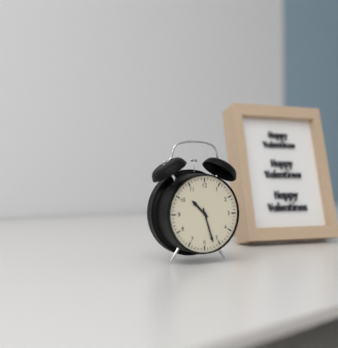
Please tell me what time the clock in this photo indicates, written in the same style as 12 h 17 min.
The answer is 10 h 27 min
